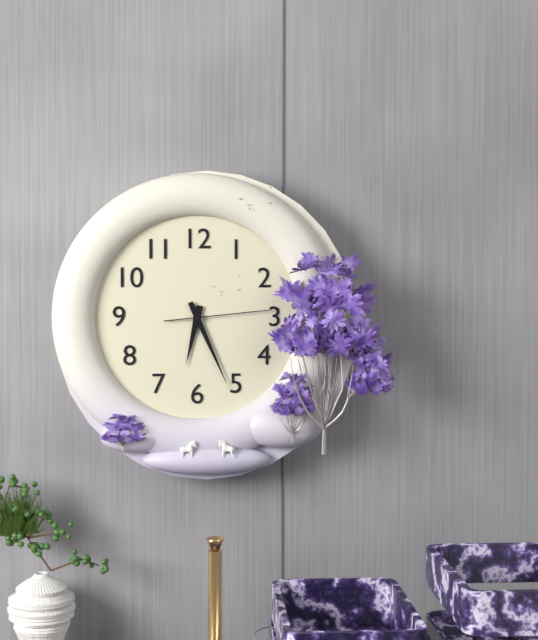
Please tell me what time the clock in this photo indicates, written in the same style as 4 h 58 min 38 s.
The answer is 6 h 26 min 14 s
